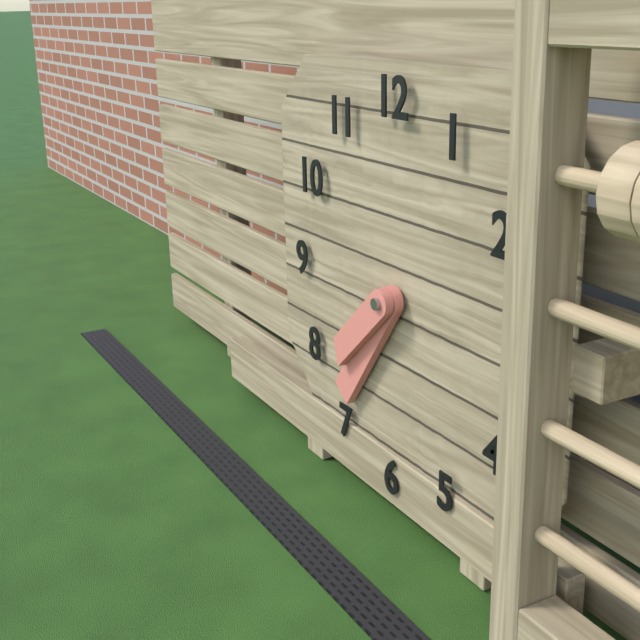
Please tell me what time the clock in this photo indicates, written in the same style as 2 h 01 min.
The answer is 7 h 36 min
